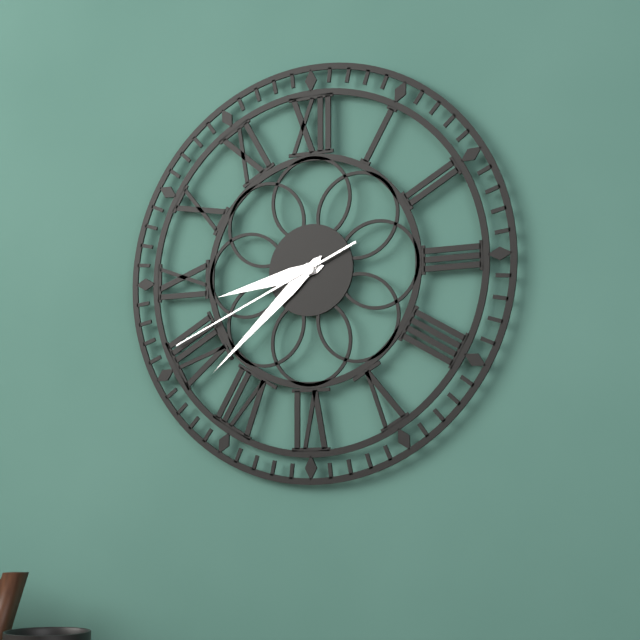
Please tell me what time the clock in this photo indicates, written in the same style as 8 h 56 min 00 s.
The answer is 8 h 38 min 41 s
